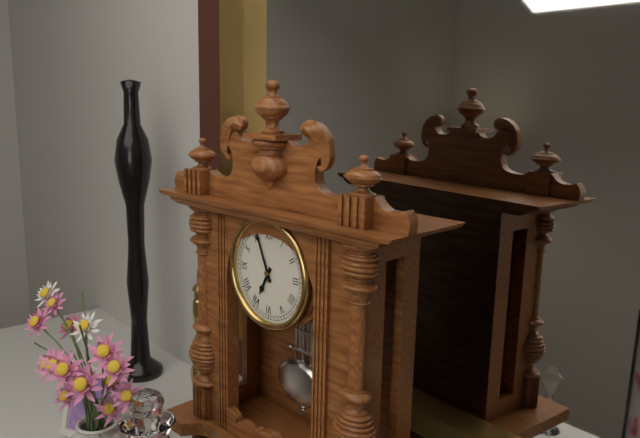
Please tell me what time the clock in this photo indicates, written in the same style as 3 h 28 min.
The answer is 6 h 56 min
